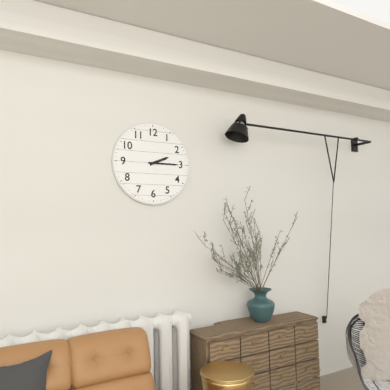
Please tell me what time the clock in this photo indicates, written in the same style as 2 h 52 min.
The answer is 2 h 15 min
